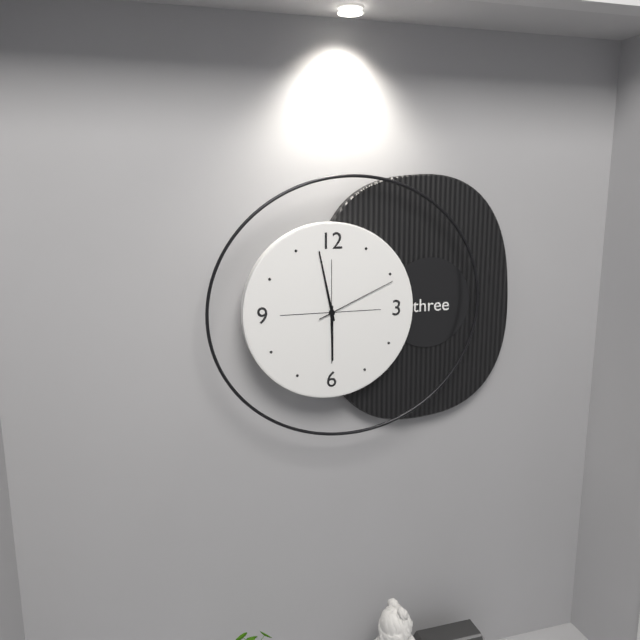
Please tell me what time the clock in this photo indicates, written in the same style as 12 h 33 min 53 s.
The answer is 5 h 58 min 11 s
